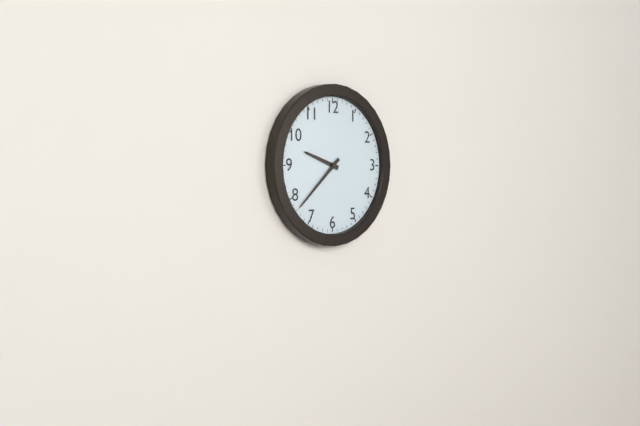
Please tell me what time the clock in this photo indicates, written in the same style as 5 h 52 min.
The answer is 9 h 38 min
